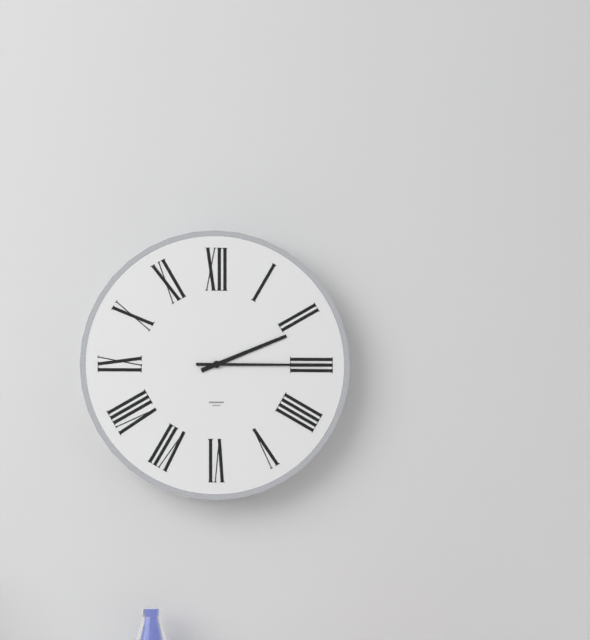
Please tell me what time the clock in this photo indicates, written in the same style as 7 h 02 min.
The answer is 2 h 15 min
